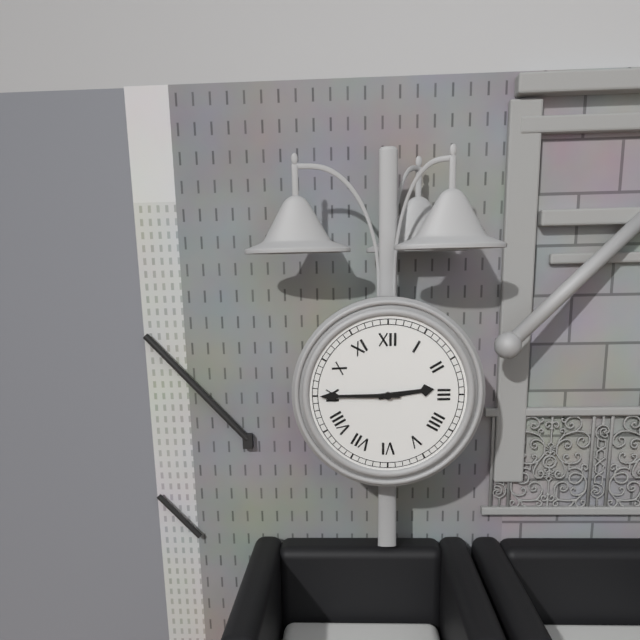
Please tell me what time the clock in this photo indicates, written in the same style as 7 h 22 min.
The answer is 2 h 45 min
